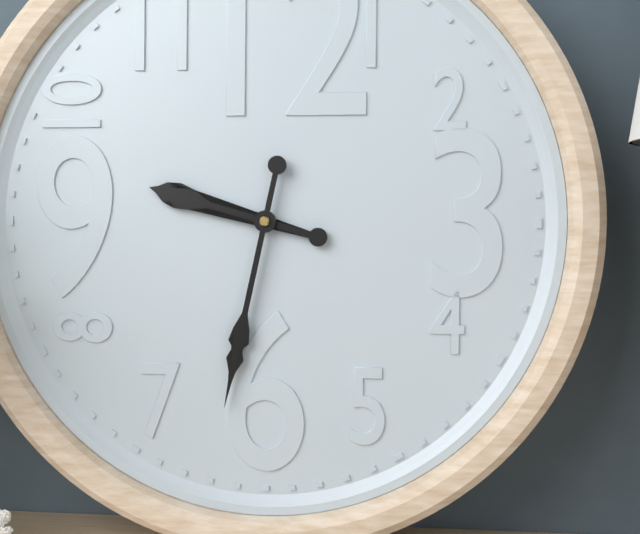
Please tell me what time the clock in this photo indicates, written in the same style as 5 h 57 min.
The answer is 9 h 32 min
